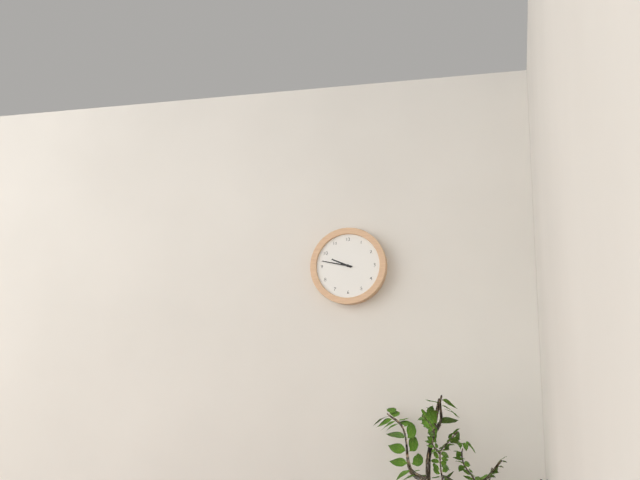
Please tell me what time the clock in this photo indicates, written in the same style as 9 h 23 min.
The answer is 9 h 47 min
